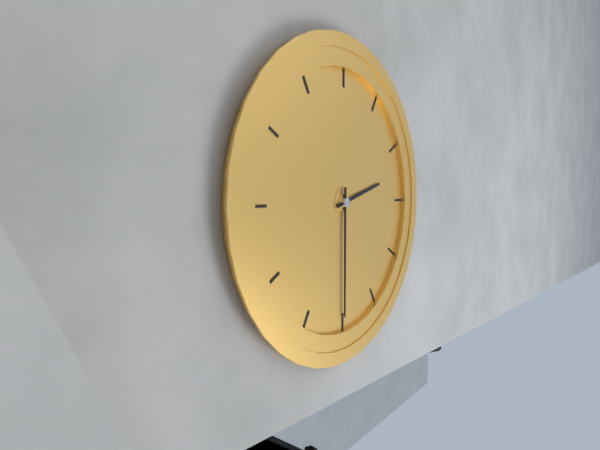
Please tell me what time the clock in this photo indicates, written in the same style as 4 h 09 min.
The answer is 2 h 30 min
